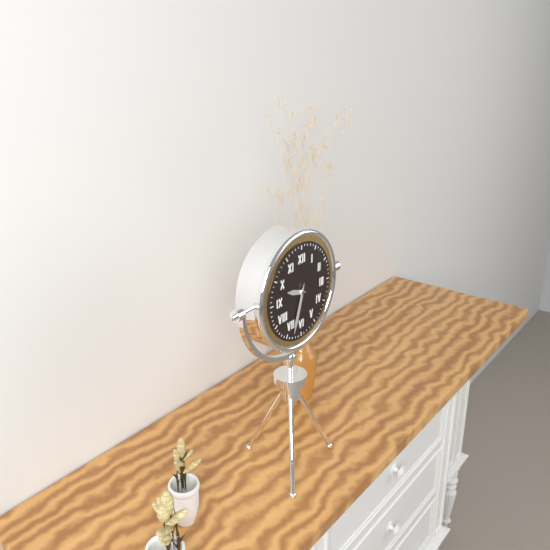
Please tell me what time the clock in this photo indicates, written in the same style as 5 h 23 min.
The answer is 9 h 33 min
